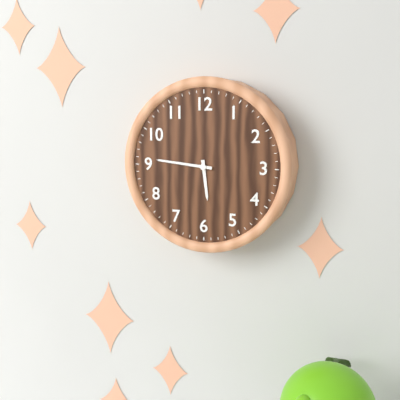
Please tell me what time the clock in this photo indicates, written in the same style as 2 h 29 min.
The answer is 5 h 46 min
